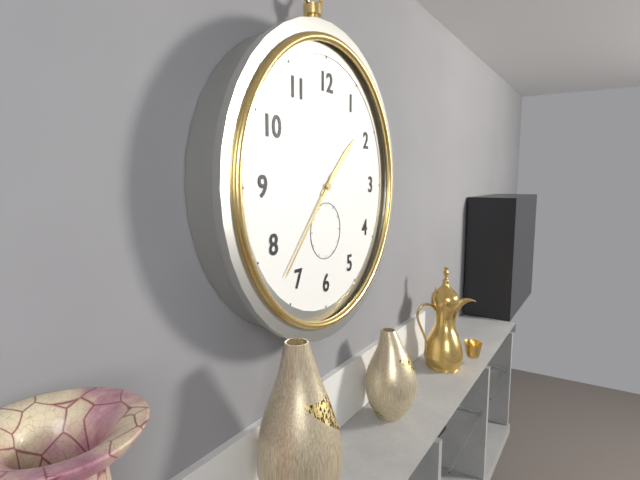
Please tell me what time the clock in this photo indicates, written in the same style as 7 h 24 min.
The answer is 1 h 37 min
